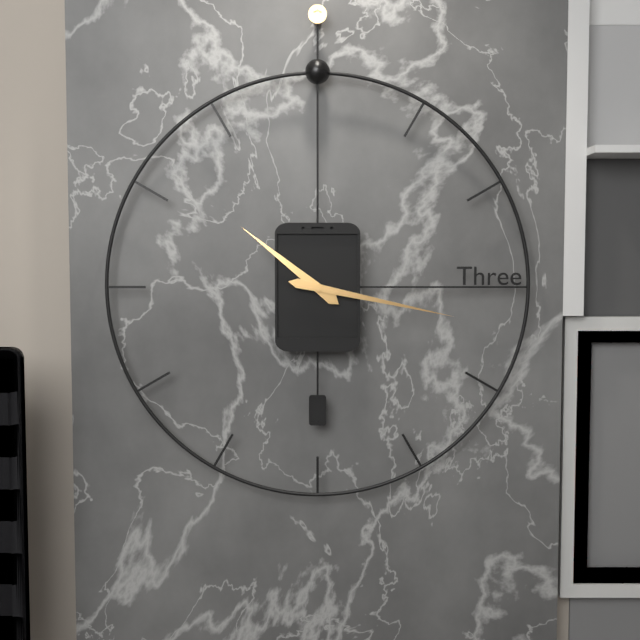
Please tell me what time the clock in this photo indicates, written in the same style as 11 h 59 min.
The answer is 10 h 17 min
